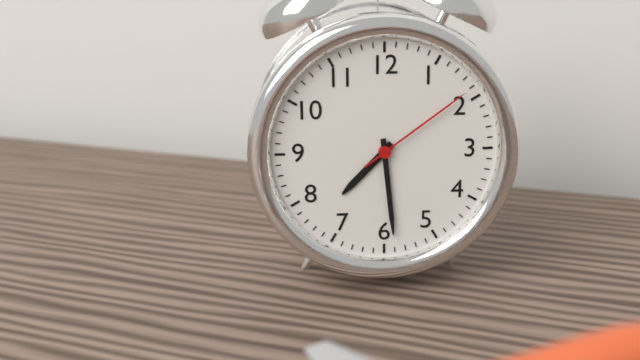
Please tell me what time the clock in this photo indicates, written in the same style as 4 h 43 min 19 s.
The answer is 7 h 29 min 09 s
